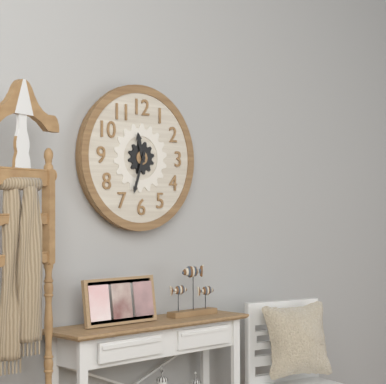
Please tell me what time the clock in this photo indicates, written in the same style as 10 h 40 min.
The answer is 11 h 33 min
